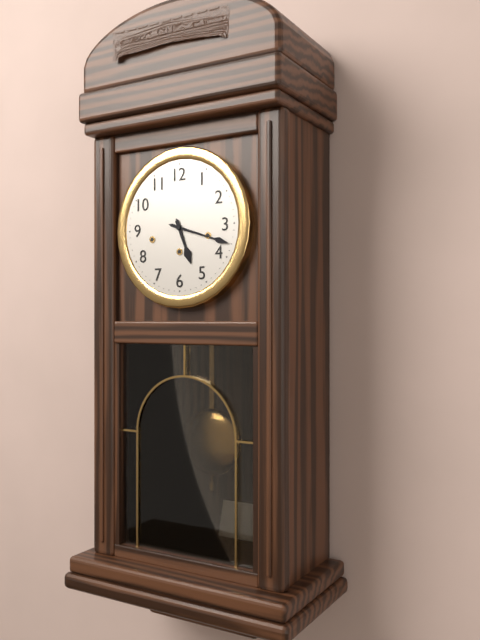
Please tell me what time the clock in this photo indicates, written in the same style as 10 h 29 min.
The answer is 5 h 18 min
